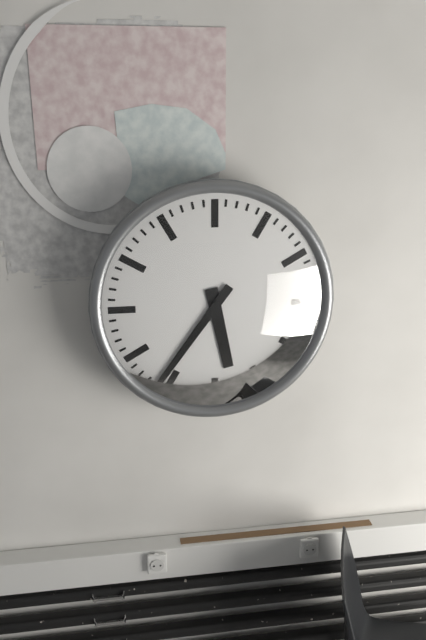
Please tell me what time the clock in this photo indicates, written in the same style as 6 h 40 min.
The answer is 5 h 36 min
